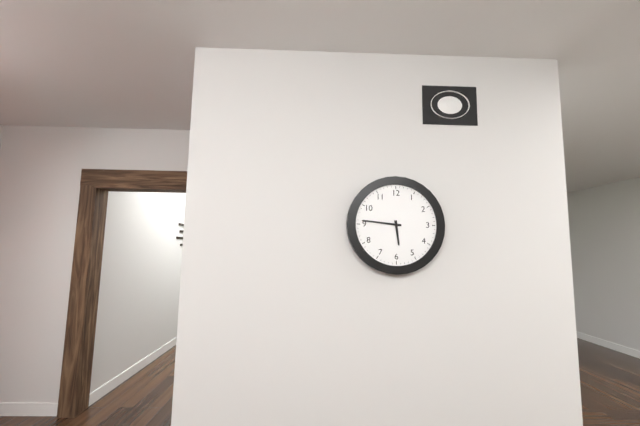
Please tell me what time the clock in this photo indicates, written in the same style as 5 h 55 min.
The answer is 5 h 46 min
